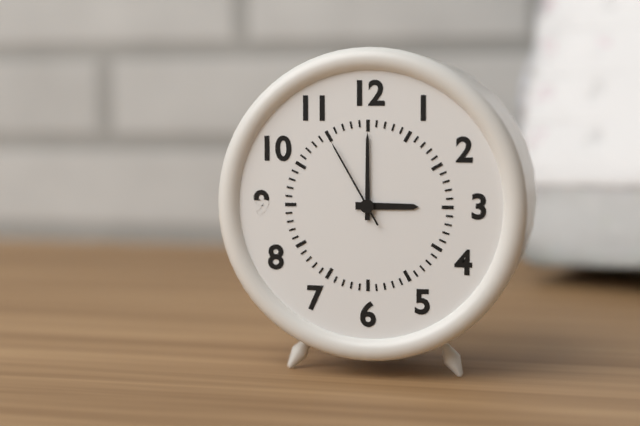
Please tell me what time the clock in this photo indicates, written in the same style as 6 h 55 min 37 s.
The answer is 3 h 00 min 55 s
